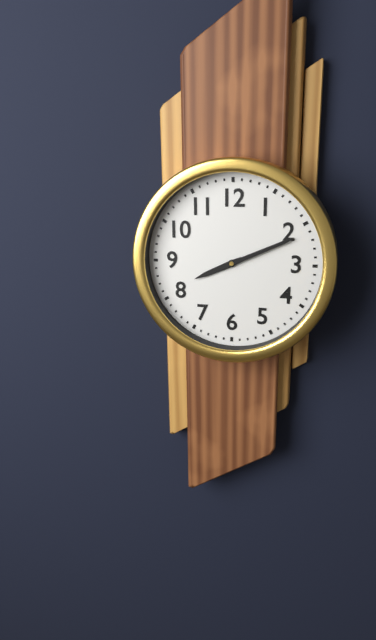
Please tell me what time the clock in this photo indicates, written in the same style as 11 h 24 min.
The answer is 8 h 11 min
